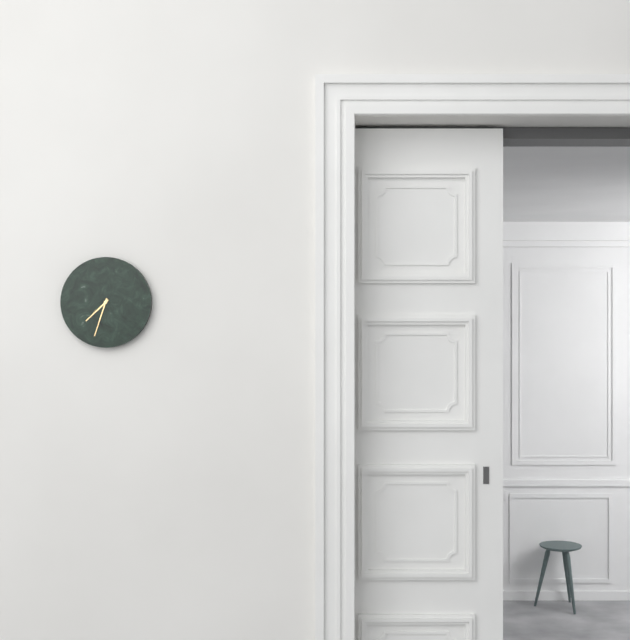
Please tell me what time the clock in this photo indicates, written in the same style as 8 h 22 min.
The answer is 7 h 33 min
